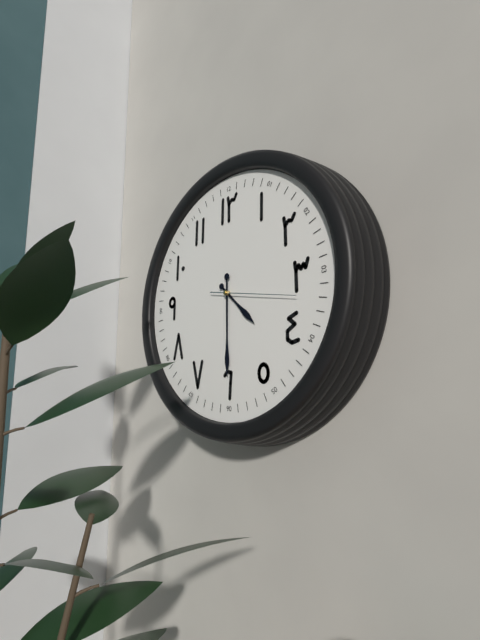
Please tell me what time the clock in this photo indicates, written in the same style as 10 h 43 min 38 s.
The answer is 4 h 30 min 17 s
